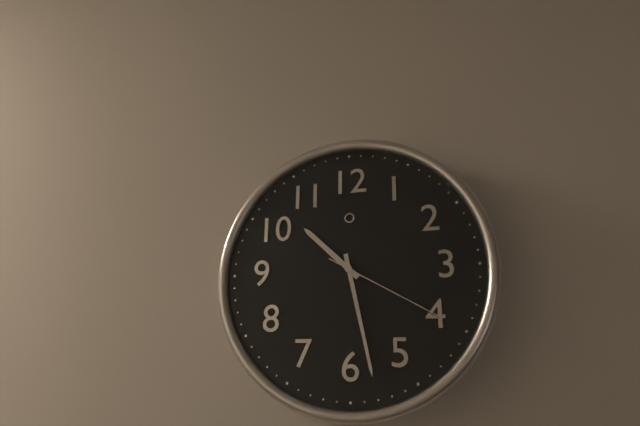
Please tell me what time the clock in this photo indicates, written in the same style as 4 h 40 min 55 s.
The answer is 10 h 28 min 20 s
